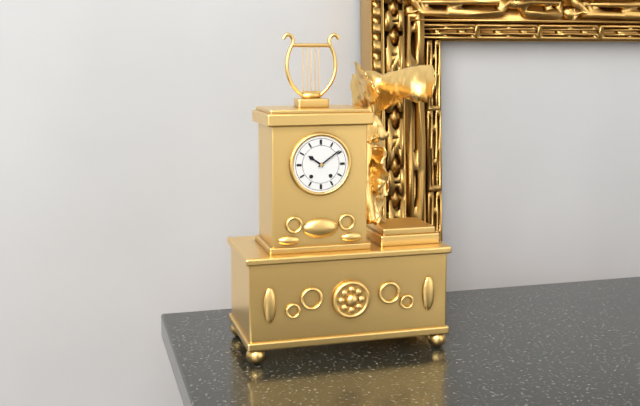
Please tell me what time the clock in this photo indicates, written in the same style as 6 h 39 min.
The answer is 10 h 09 min
